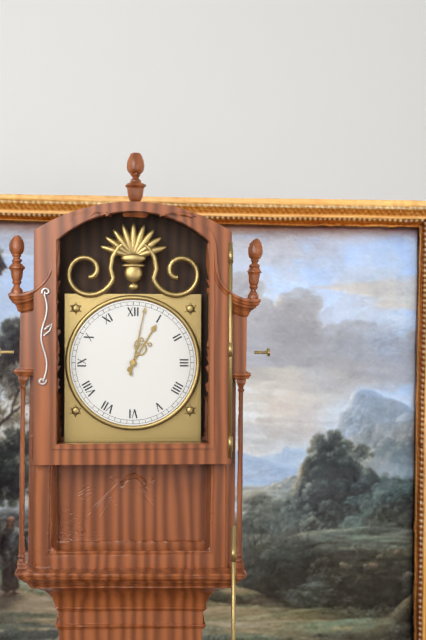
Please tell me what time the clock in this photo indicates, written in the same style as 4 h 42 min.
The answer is 1 h 02 min
